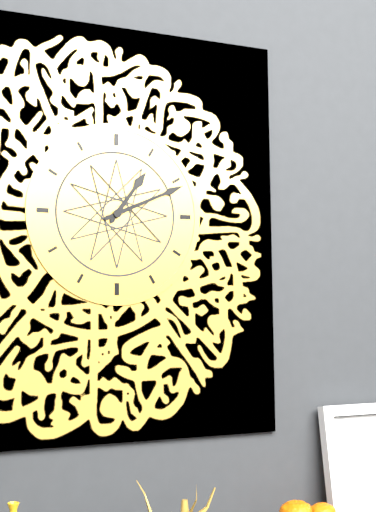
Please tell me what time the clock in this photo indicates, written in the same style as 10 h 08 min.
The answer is 1 h 11 min
